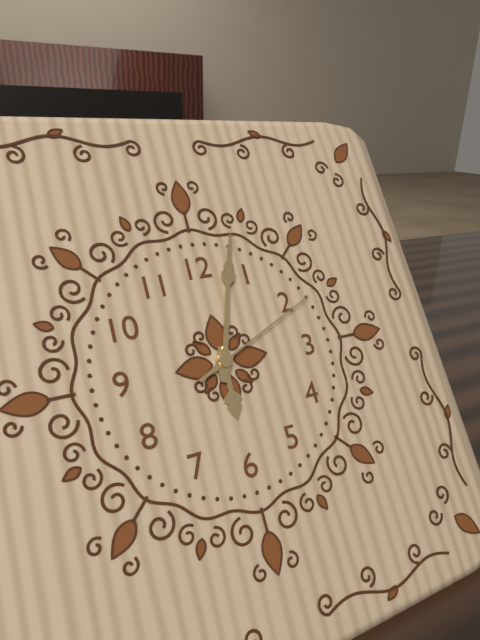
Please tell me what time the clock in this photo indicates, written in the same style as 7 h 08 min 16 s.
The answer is 6 h 03 min 11 s
